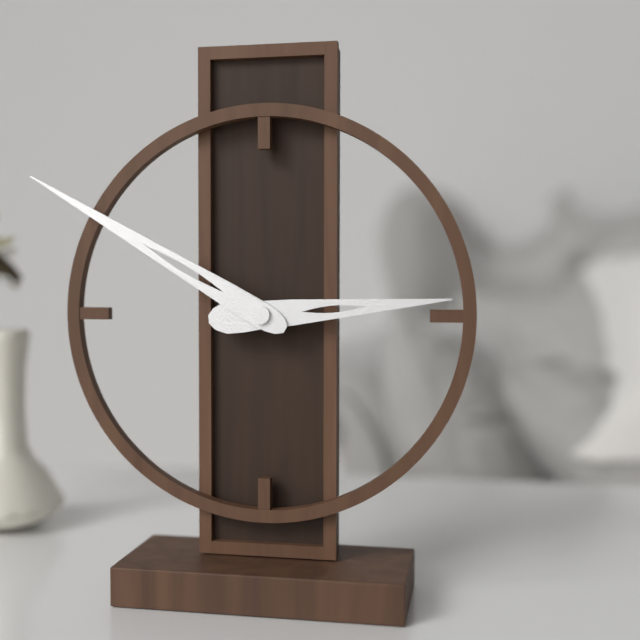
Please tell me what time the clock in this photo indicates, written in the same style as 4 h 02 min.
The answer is 2 h 50 min
